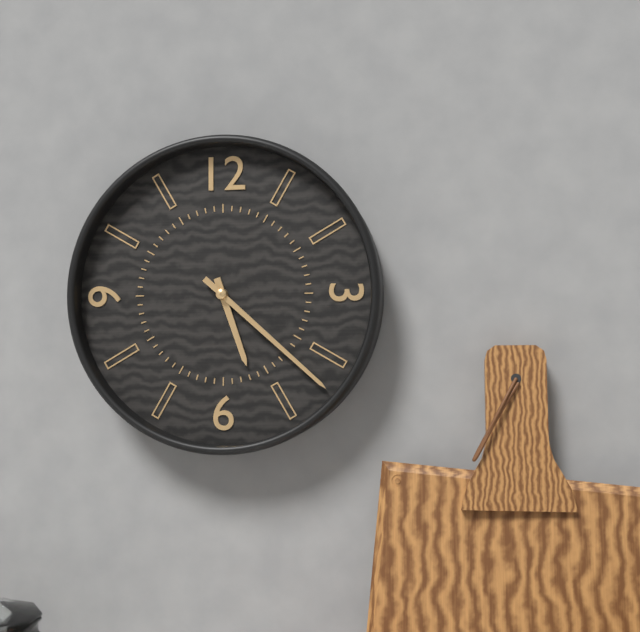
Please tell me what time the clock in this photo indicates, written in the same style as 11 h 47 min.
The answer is 5 h 22 min
